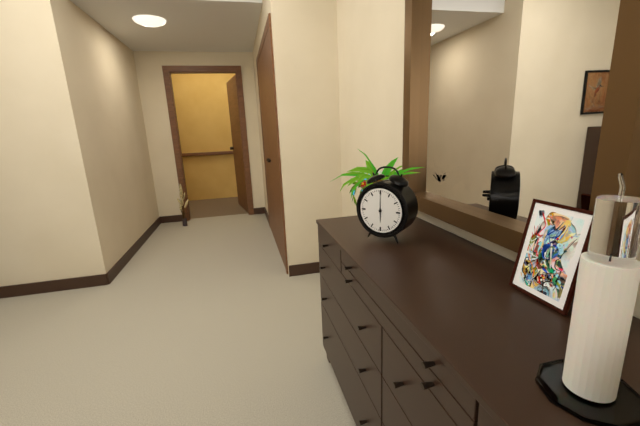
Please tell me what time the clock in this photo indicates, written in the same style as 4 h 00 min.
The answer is 6 h 00 min
